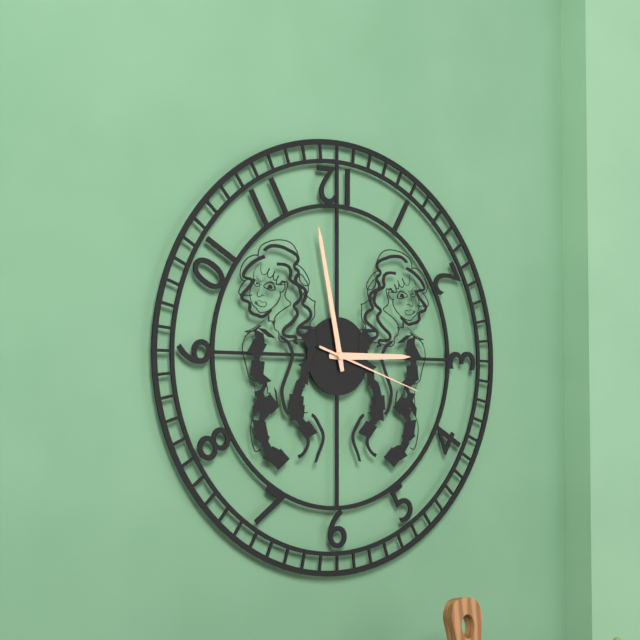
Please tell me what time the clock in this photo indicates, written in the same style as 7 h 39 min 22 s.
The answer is 2 h 58 min 18 s
